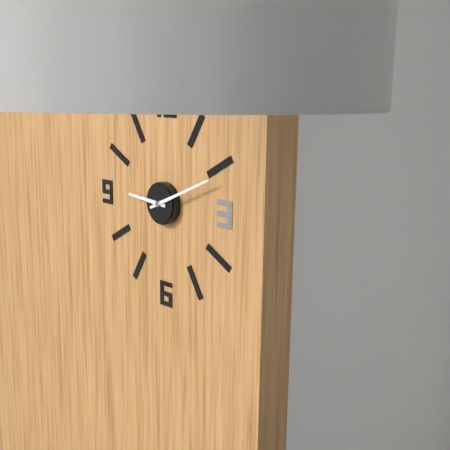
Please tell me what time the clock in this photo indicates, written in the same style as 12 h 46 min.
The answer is 9 h 11 min
